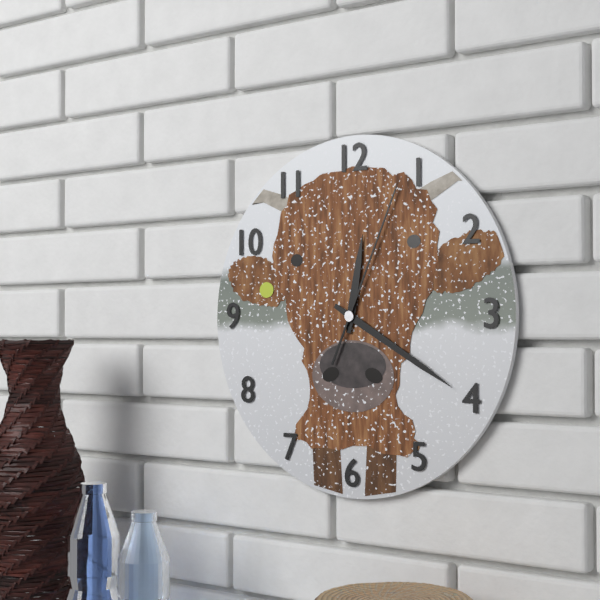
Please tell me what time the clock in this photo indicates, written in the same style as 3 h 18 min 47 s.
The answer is 12 h 20 min 04 s
